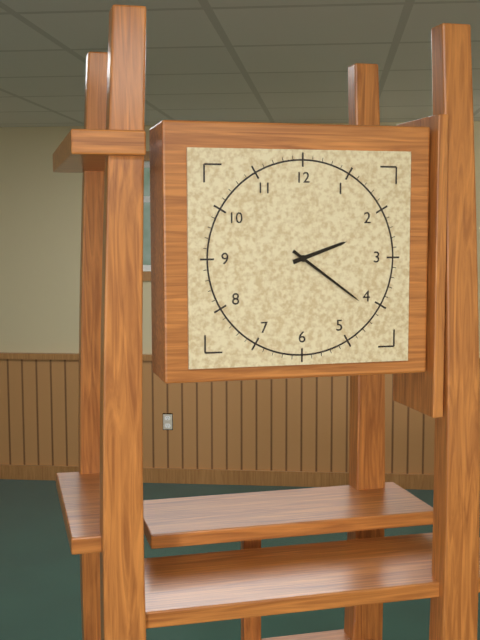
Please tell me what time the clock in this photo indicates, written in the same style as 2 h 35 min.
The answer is 2 h 21 min
